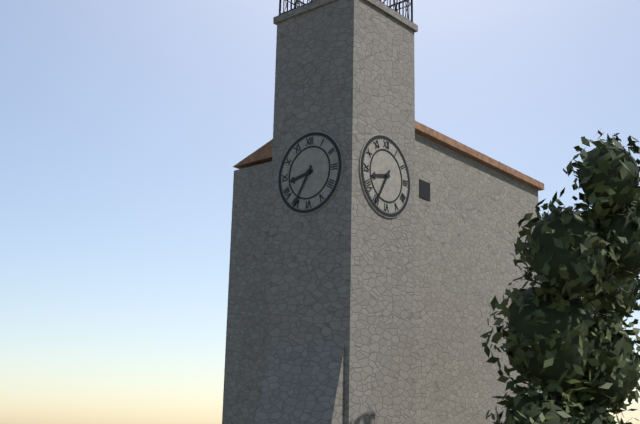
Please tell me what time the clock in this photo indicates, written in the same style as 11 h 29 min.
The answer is 8 h 35 min
